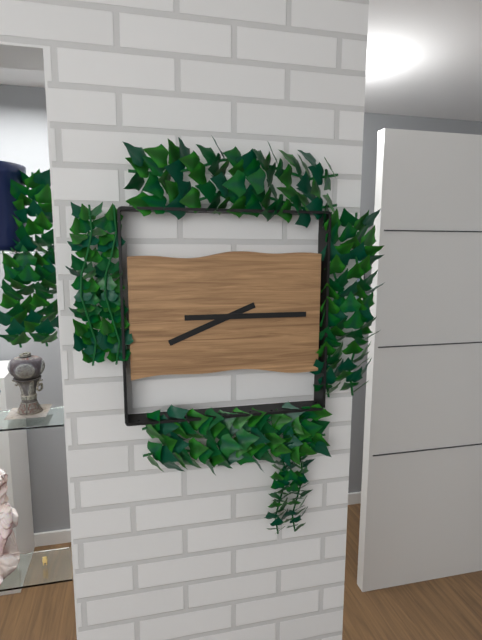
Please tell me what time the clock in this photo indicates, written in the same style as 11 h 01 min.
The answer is 8 h 15 min
